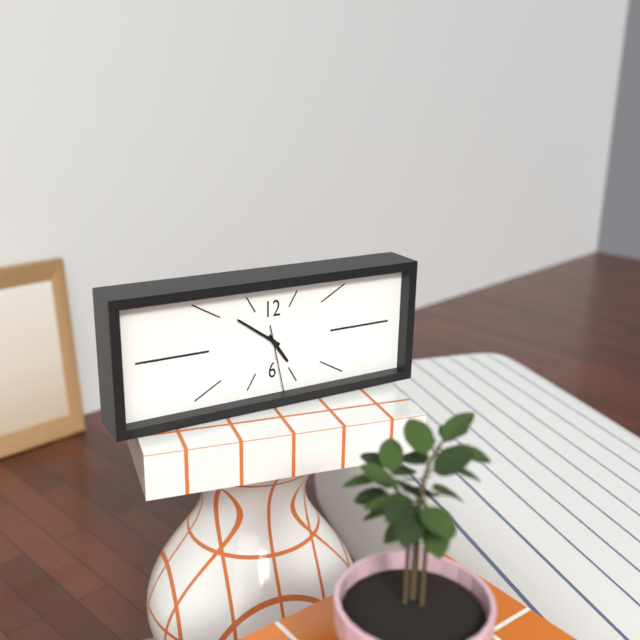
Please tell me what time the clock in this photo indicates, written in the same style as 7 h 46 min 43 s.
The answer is 4 h 51 min 28 s
